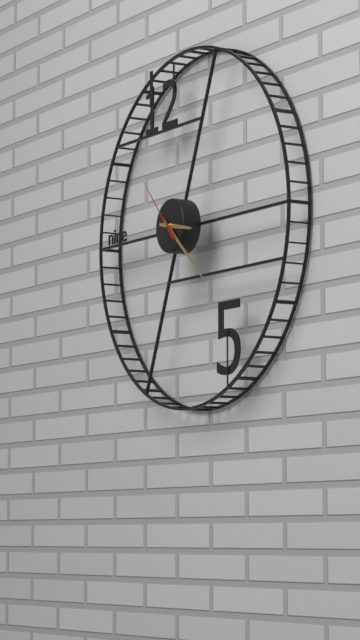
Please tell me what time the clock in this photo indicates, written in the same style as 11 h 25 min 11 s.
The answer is 3 h 22 min 53 s
